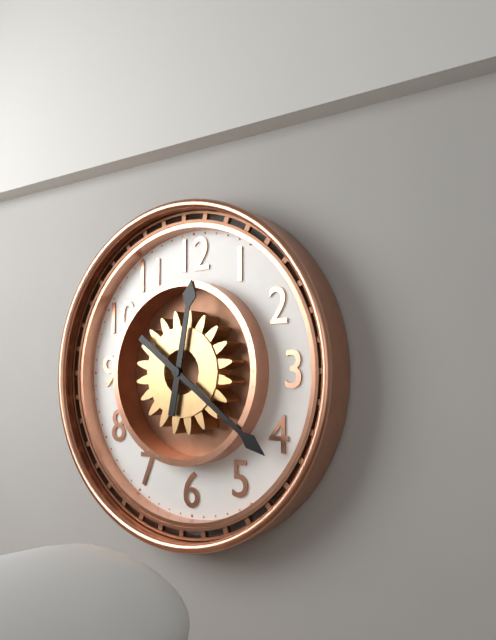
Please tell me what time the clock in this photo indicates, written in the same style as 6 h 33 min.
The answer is 12 h 21 min
